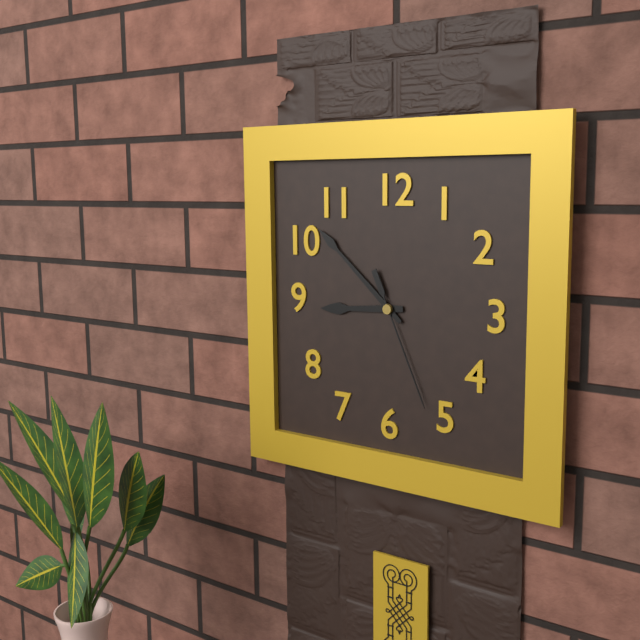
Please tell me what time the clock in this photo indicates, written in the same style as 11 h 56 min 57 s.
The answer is 8 h 52 min 26 s
